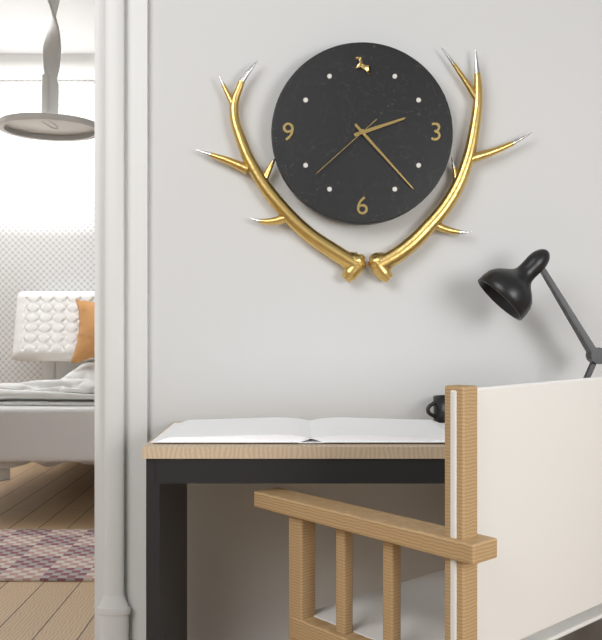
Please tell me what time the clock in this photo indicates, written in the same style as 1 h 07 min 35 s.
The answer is 2 h 23 min 38 s
